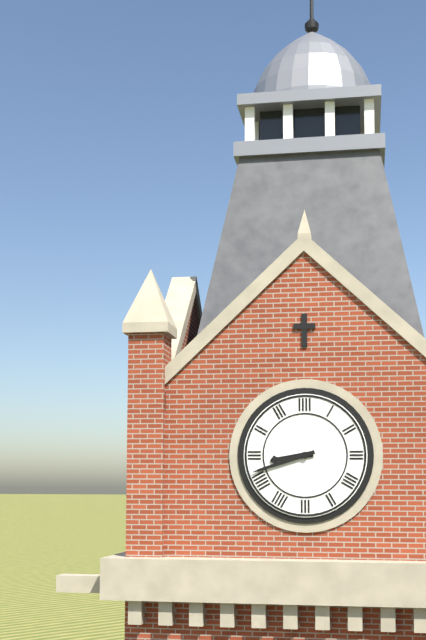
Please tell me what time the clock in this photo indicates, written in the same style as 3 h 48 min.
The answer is 8 h 42 min
